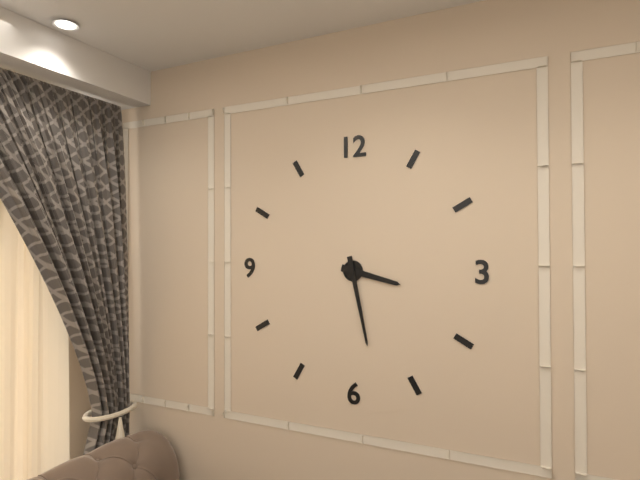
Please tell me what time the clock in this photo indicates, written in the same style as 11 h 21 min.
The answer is 3 h 28 min
